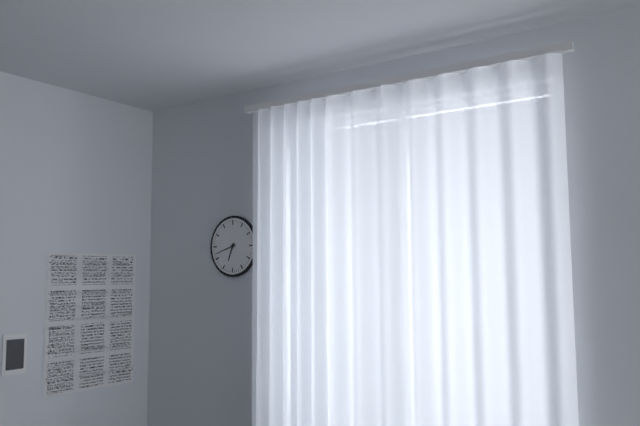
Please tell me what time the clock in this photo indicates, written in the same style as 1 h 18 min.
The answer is 6 h 42 min
